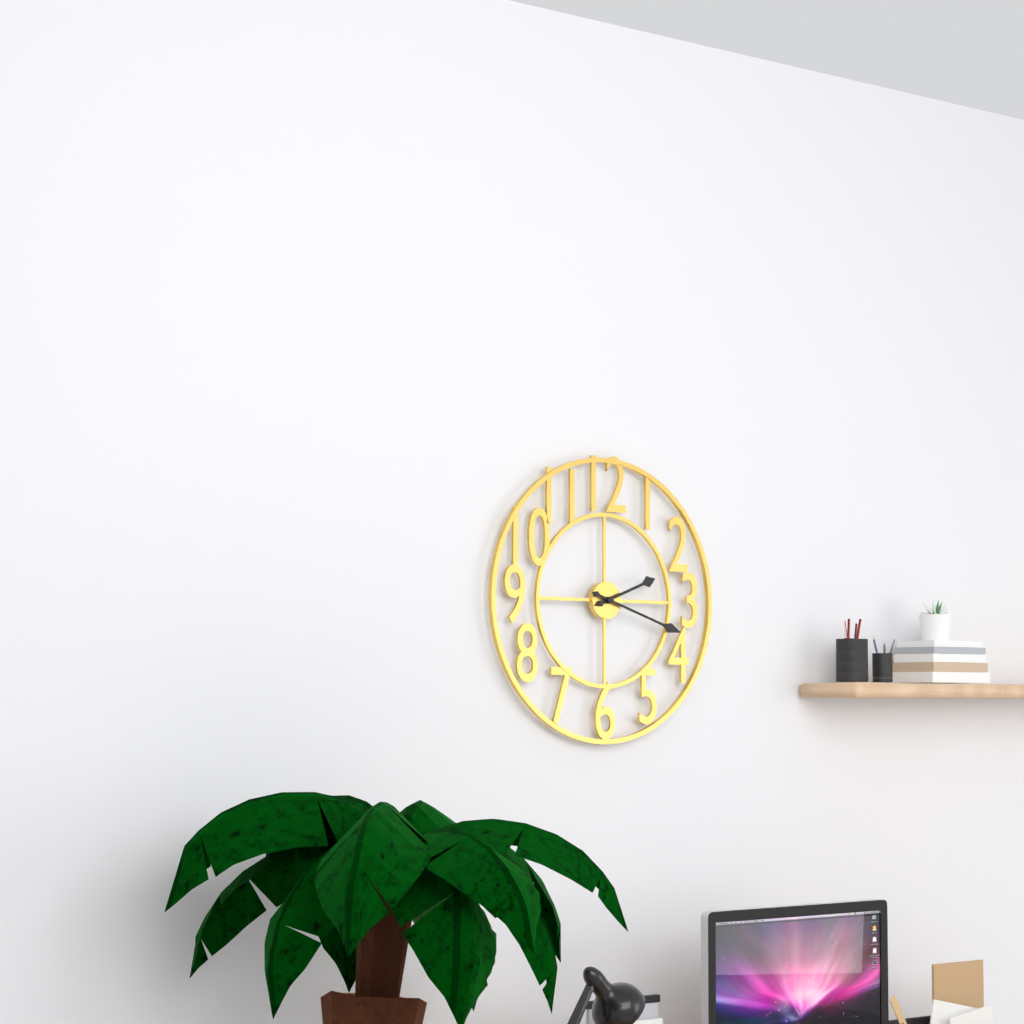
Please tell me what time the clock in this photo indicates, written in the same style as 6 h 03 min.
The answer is 2 h 18 min
